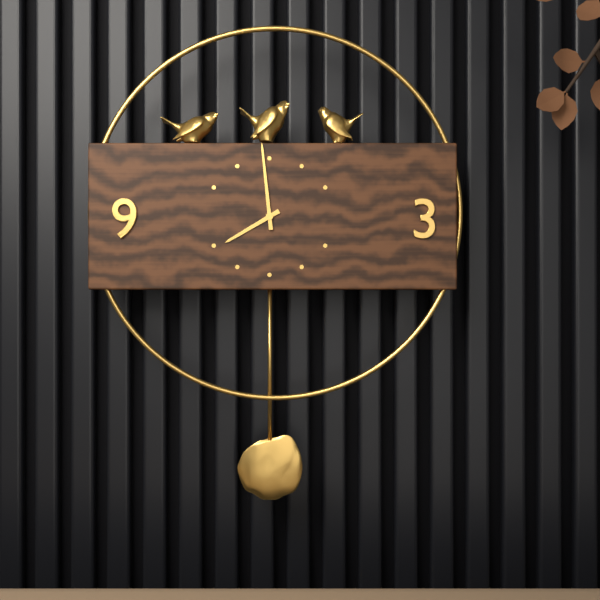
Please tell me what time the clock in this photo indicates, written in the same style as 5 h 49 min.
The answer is 7 h 59 min
